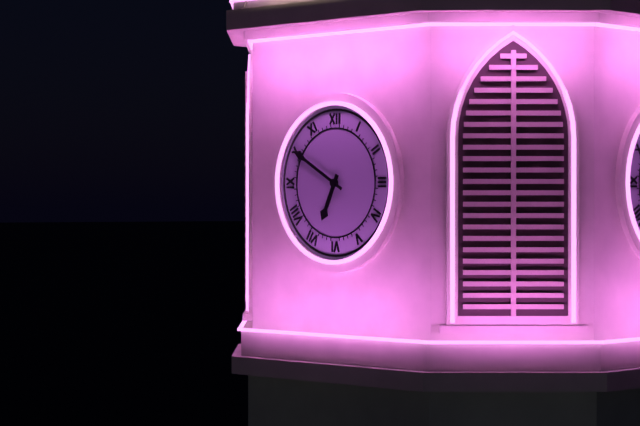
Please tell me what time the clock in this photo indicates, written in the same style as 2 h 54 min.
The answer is 6 h 50 min
